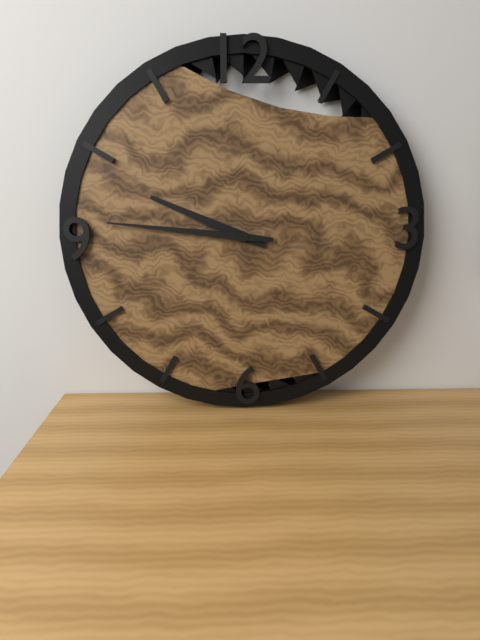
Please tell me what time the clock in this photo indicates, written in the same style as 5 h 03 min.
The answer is 9 h 46 min
